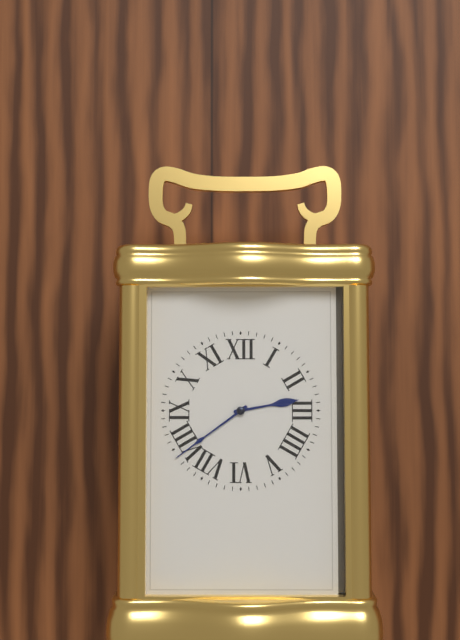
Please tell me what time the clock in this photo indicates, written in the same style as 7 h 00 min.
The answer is 2 h 39 min
